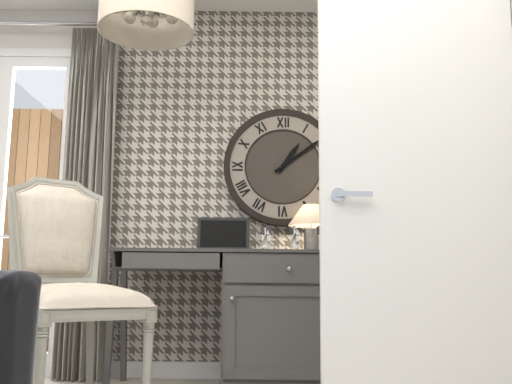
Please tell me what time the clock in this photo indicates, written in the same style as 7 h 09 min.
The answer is 1 h 09 min
